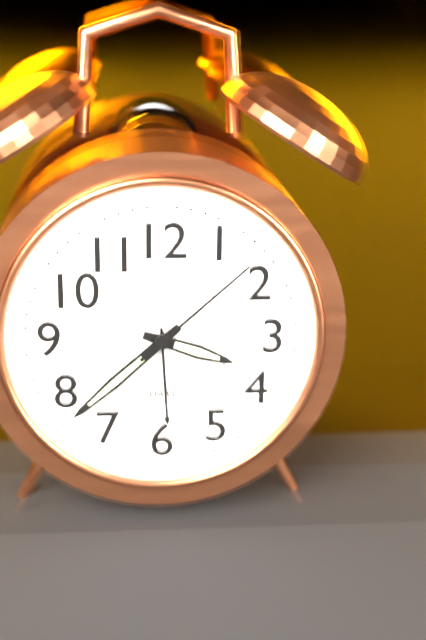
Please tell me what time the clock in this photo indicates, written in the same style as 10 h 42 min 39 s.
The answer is 3 h 38 min 08 s
